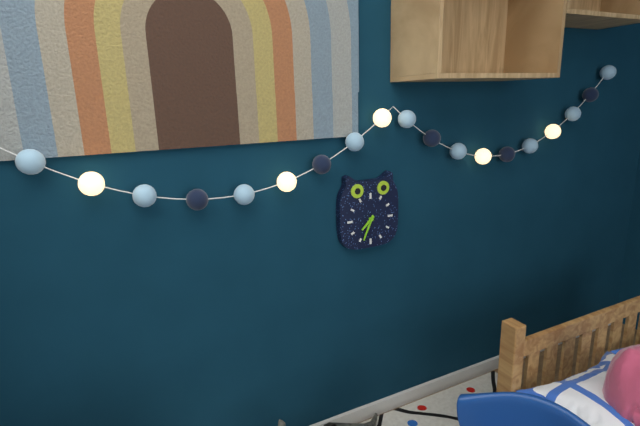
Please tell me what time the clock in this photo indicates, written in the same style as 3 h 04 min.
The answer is 7 h 34 min
